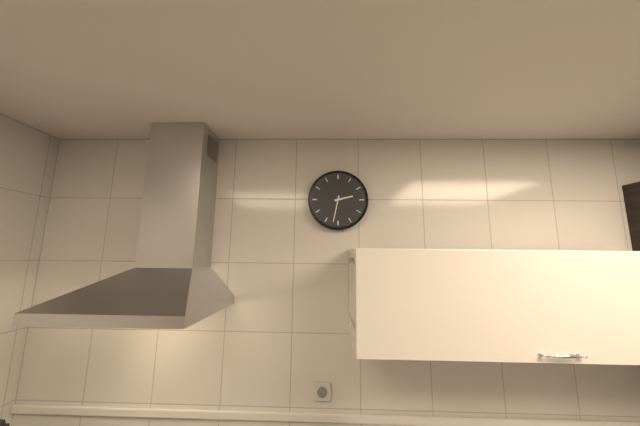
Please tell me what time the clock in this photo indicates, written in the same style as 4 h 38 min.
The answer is 2 h 32 min
